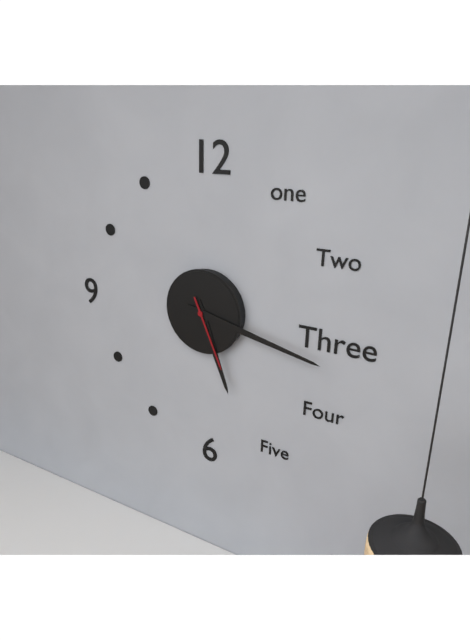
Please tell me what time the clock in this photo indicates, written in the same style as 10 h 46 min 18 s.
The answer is 5 h 17 min 26 s
